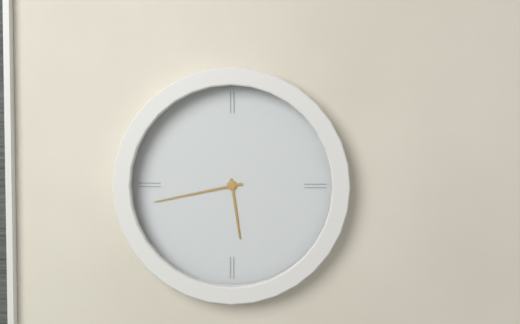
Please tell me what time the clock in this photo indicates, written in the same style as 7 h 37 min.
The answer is 5 h 43 min
